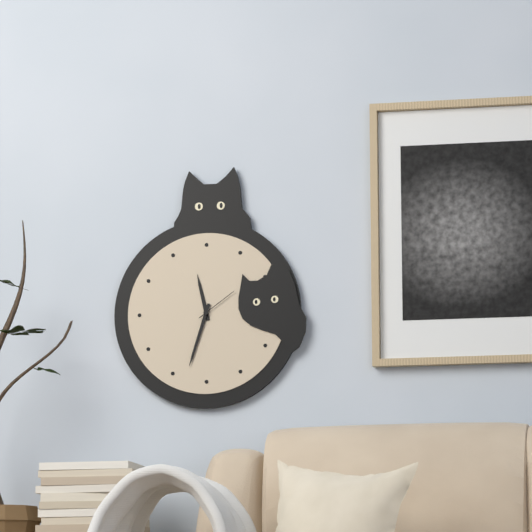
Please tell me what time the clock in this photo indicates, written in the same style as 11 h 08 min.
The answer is 11 h 33 min
